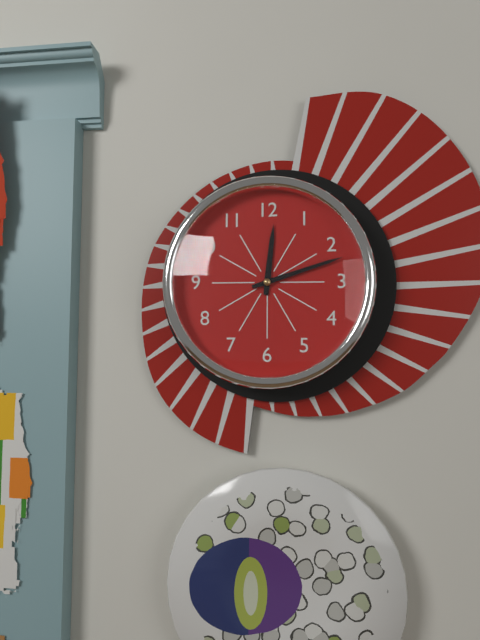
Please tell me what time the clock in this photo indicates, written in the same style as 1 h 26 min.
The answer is 12 h 12 min
